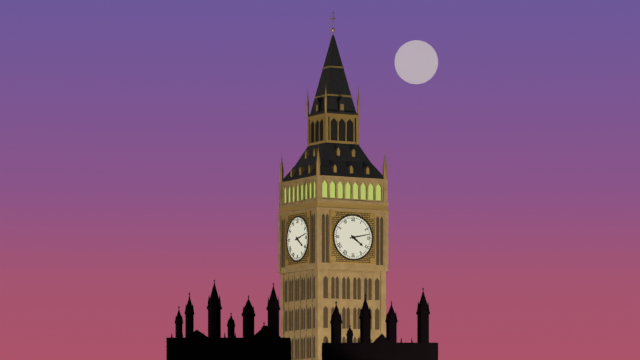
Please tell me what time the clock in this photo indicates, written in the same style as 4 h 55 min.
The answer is 4 h 13 min
